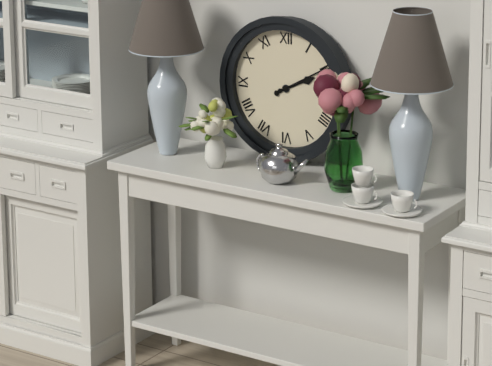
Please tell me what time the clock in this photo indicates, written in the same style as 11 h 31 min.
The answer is 2 h 10 min
